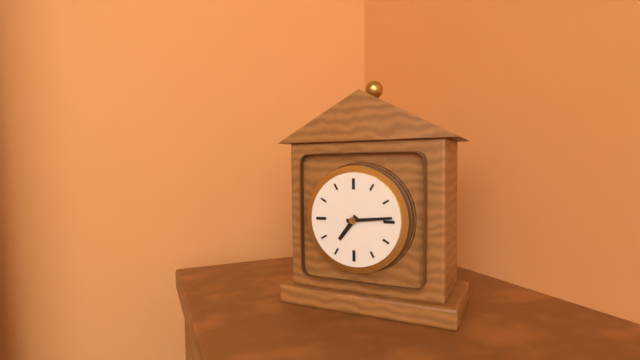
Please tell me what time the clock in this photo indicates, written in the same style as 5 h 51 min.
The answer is 7 h 14 min
